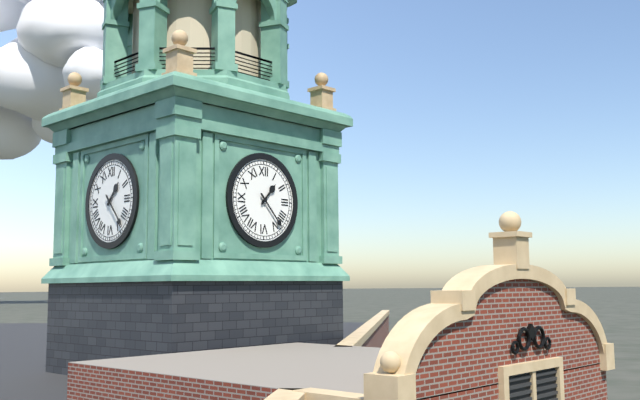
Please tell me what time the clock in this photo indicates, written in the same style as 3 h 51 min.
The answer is 1 h 23 min
